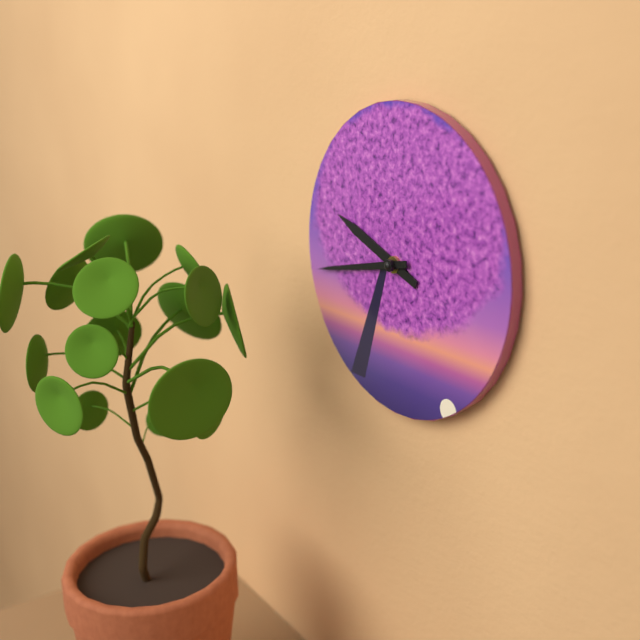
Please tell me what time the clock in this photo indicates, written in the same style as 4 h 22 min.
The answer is 9 h 43 min
